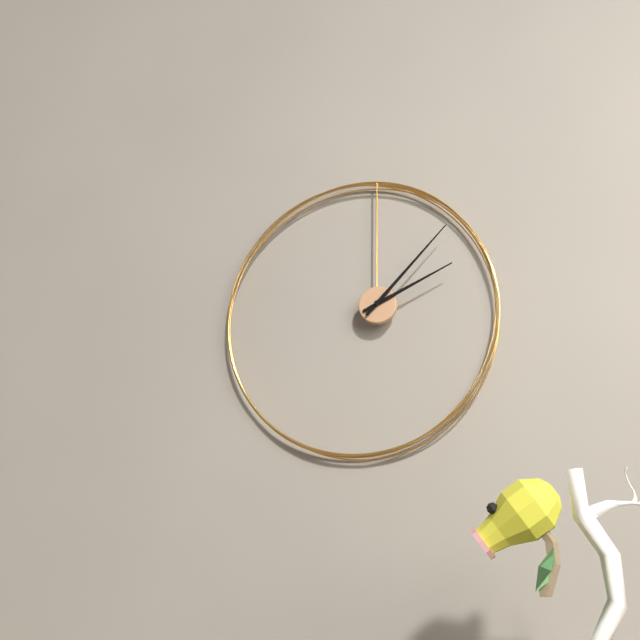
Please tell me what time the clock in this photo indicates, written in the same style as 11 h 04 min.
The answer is 2 h 07 min
